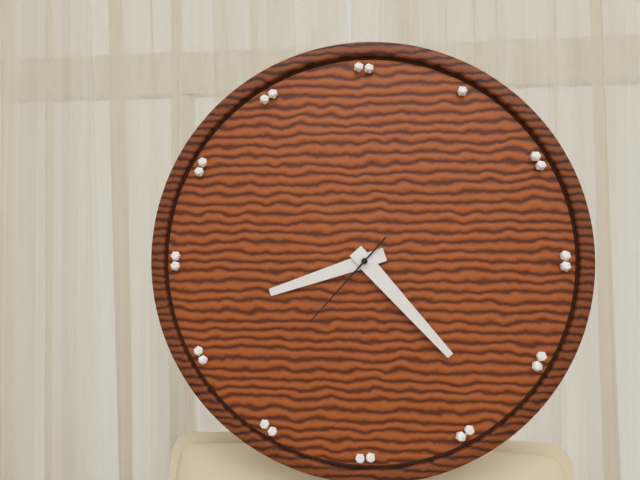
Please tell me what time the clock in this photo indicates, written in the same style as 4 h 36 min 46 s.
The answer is 8 h 23 min 37 s
